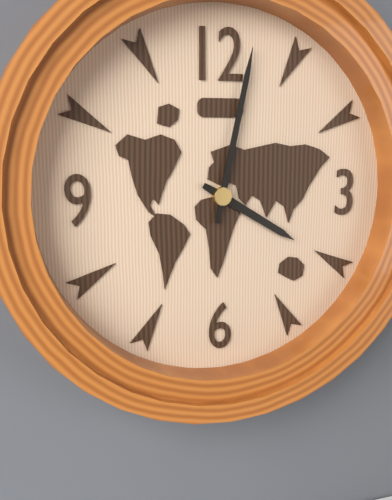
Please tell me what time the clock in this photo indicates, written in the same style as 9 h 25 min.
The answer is 4 h 02 min
